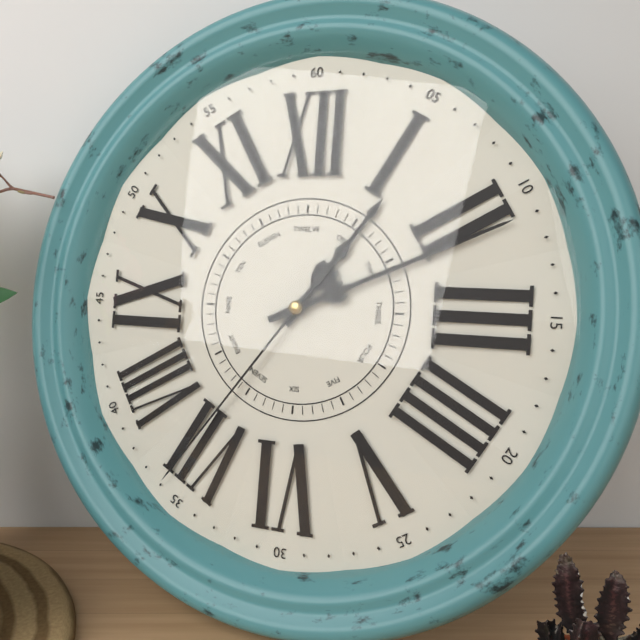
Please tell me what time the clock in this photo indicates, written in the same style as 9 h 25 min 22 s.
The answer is 1 h 11 min 36 s
